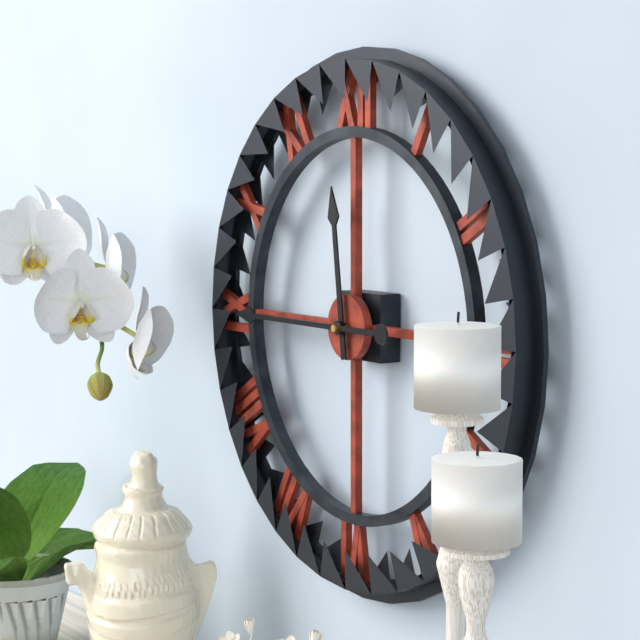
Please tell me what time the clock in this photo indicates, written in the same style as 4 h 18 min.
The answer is 11 h 45 min
